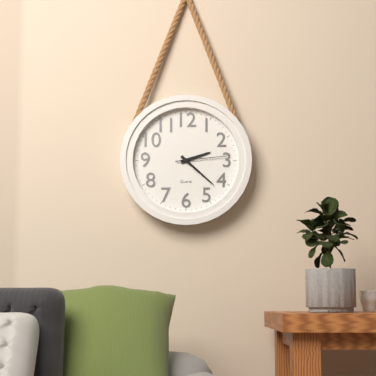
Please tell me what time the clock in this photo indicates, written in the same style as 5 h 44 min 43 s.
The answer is 2 h 22 min 14 s
